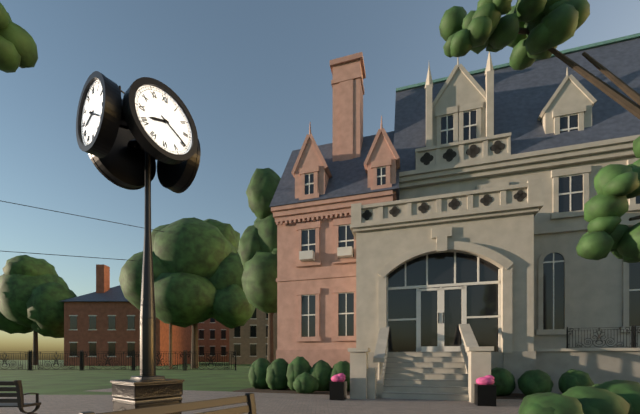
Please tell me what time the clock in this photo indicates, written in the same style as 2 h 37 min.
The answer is 8 h 20 min
